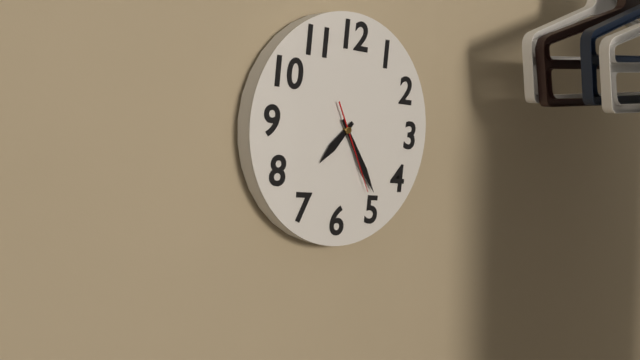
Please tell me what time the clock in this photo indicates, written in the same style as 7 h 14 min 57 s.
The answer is 7 h 24 min 25 s
